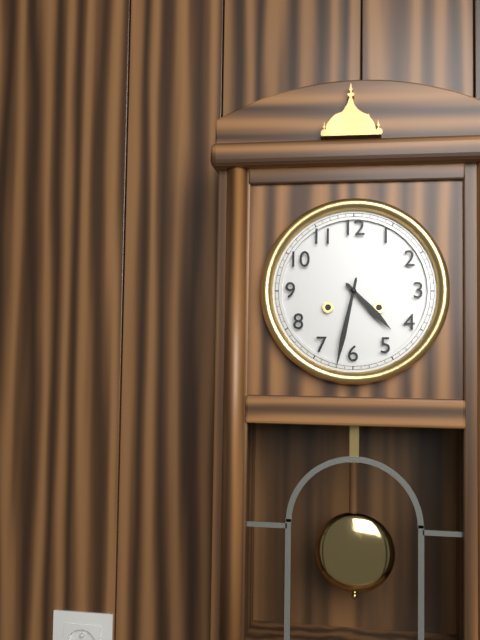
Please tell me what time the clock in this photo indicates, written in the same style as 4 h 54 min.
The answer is 4 h 32 min
